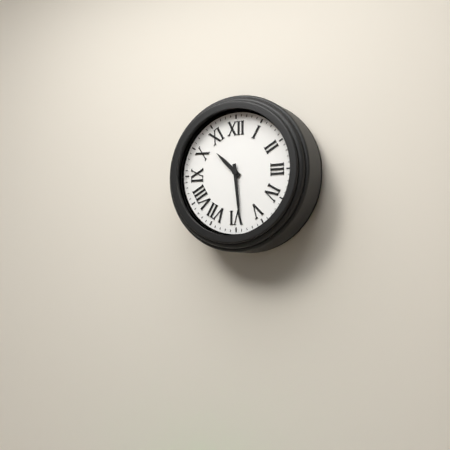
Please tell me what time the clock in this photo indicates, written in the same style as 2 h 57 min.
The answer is 10 h 29 min
